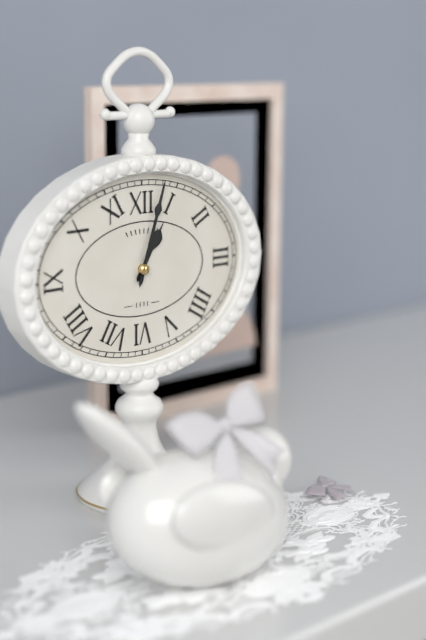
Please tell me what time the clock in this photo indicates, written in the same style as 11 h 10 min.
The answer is 1 h 03 min
